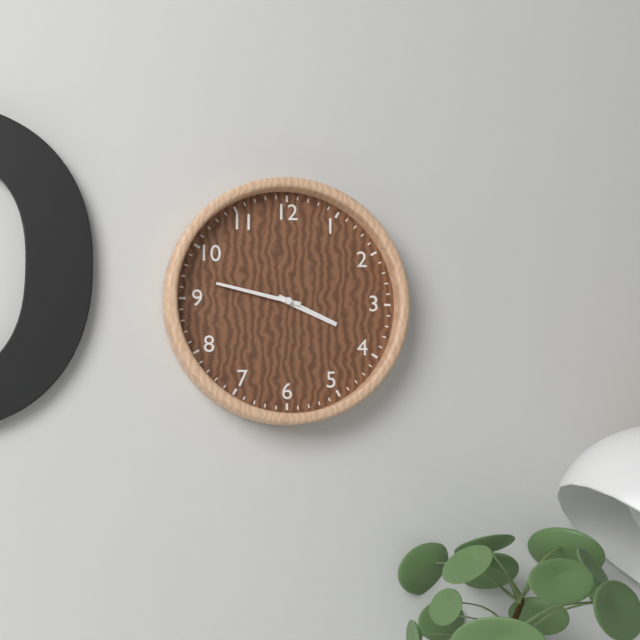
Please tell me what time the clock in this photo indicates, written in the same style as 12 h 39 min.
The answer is 3 h 47 min
